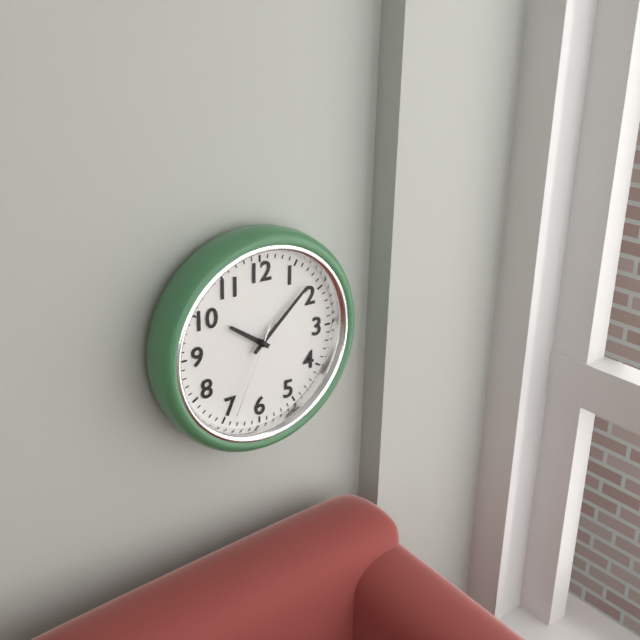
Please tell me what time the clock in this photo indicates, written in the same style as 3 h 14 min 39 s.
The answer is 10 h 08 min 34 s
